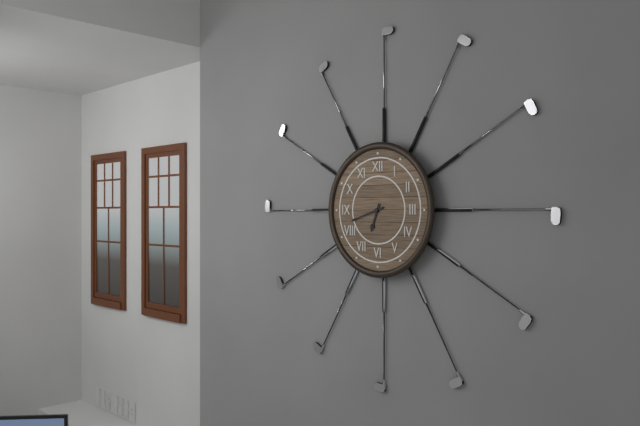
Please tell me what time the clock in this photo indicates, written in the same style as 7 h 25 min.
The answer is 6 h 42 min
